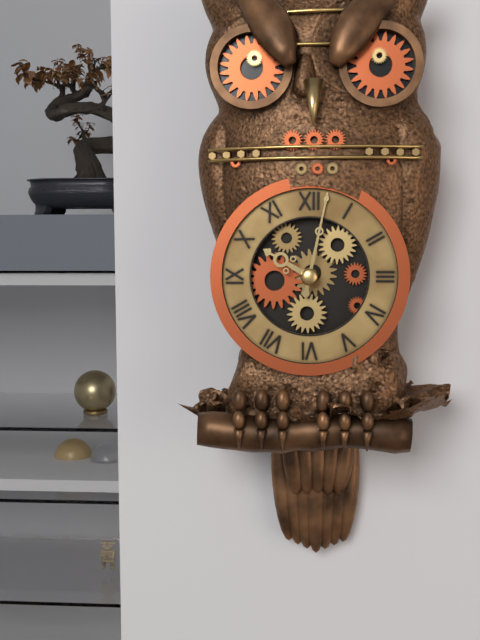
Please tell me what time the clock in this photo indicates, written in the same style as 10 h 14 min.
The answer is 10 h 02 min
